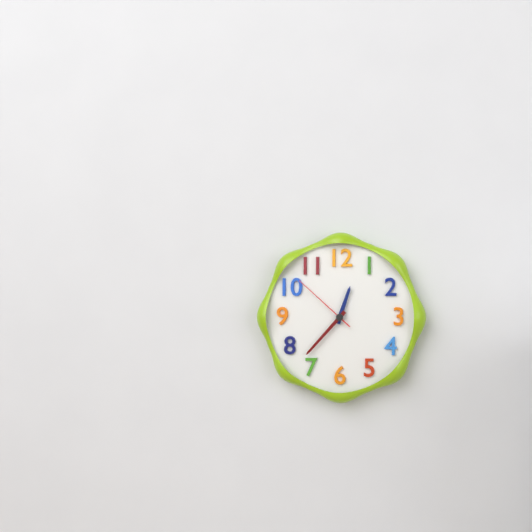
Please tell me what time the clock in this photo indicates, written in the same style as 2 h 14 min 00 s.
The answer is 12 h 37 min 52 s
